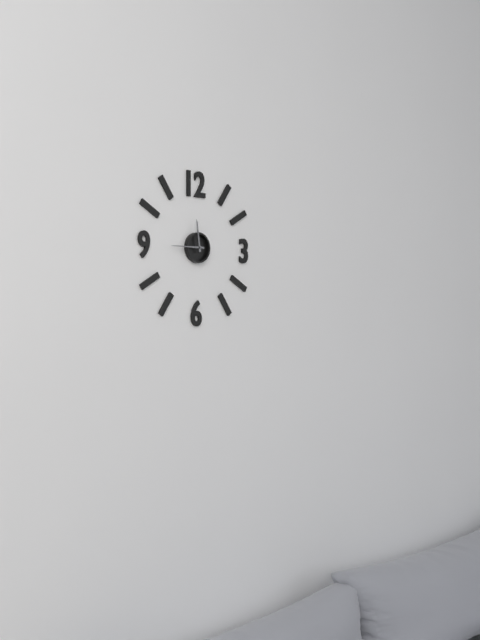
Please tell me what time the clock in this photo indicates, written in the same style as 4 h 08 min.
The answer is 11 h 45 min
